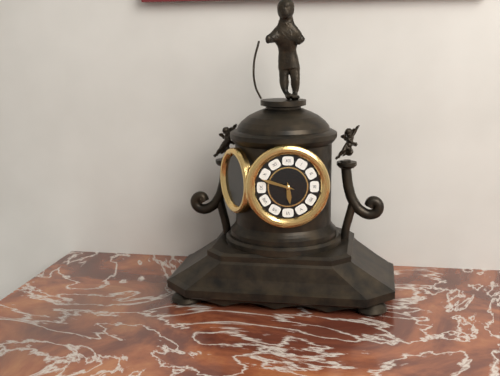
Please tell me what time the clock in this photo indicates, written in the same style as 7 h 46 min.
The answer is 5 h 48 min
